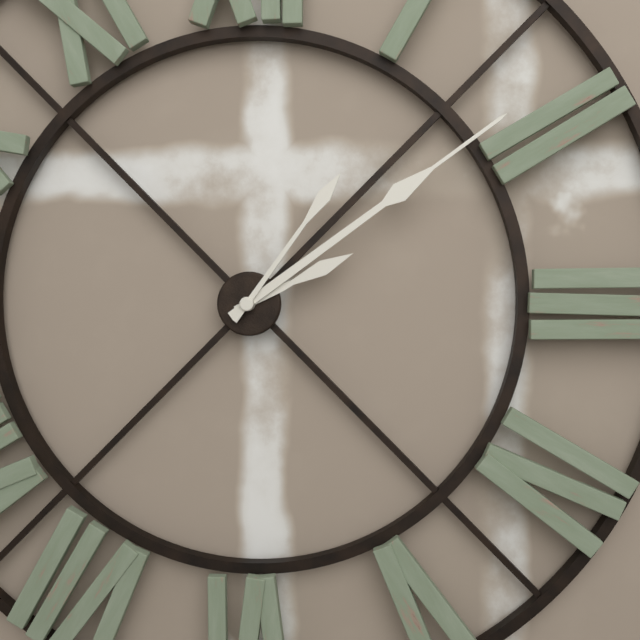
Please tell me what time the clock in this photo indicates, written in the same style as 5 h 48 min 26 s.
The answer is 2 h 09 min 06 s
